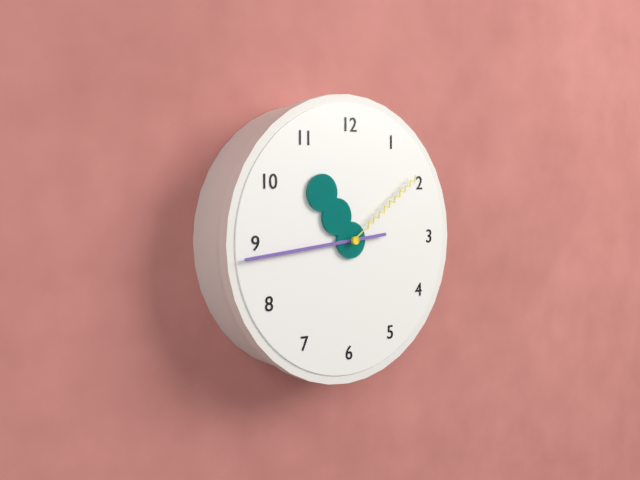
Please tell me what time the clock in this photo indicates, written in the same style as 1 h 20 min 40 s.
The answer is 10 h 44 min 09 s
